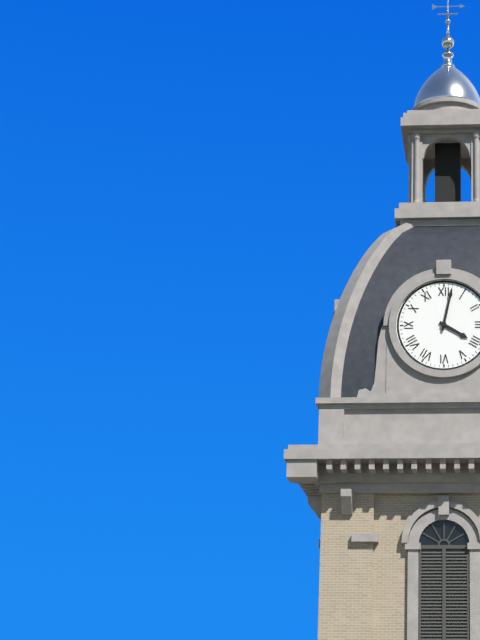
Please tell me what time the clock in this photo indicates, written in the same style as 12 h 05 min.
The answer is 4 h 02 min
